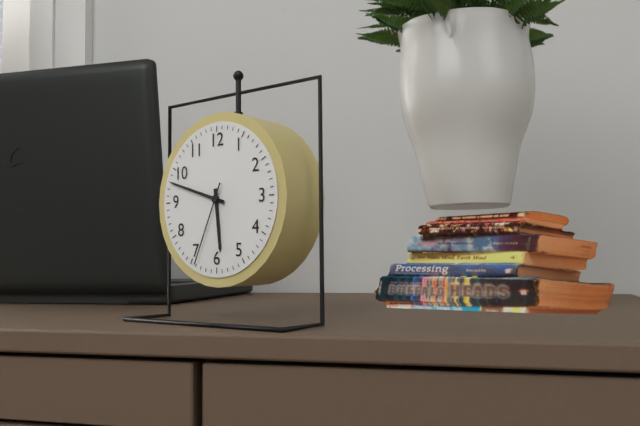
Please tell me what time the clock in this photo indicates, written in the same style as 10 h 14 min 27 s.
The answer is 5 h 48 min 34 s
